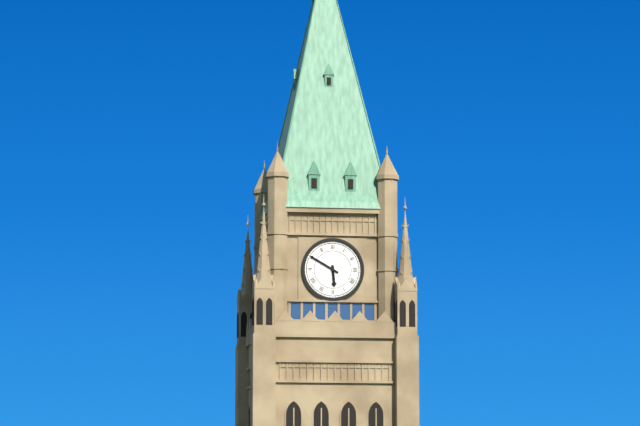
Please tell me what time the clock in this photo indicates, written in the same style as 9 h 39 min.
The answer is 5 h 50 min
